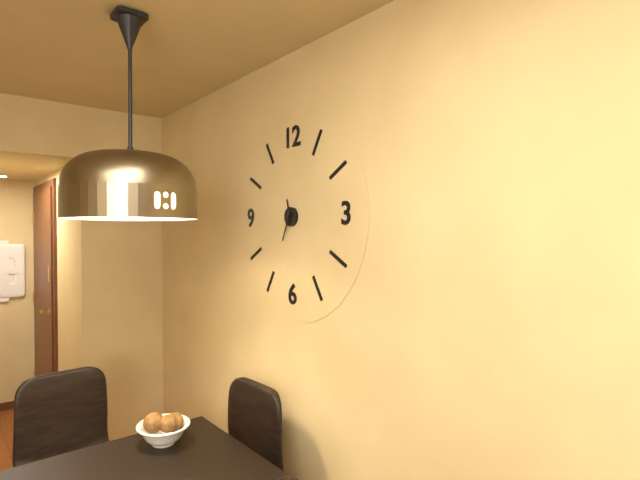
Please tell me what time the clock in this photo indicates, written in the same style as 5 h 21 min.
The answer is 11 h 34 min
